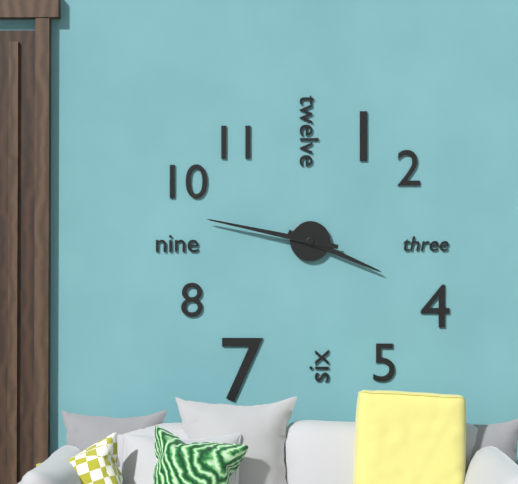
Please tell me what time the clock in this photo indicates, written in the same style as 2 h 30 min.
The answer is 3 h 47 min
